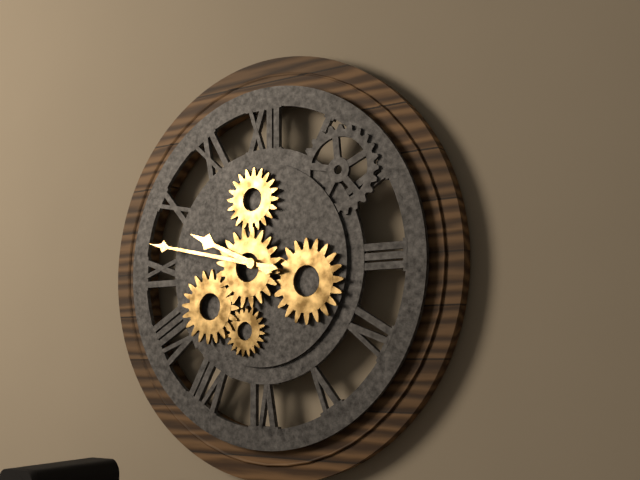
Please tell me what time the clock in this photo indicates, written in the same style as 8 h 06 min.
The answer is 9 h 47 min
